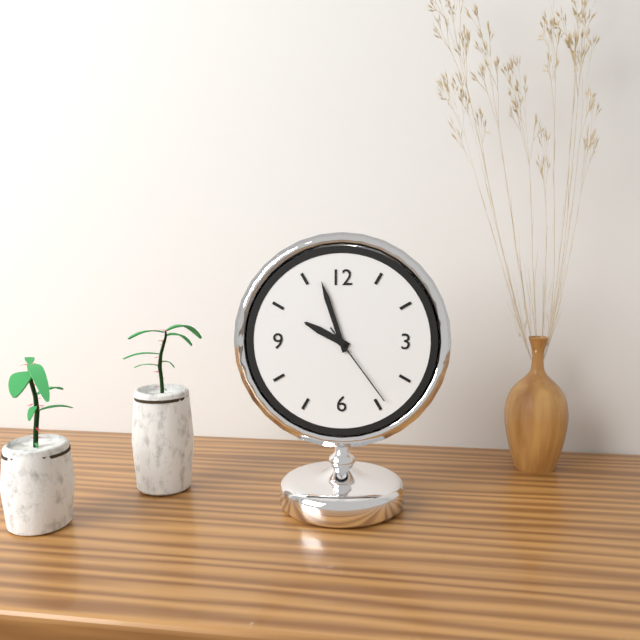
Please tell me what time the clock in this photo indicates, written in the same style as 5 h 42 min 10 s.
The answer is 9 h 57 min 24 s
